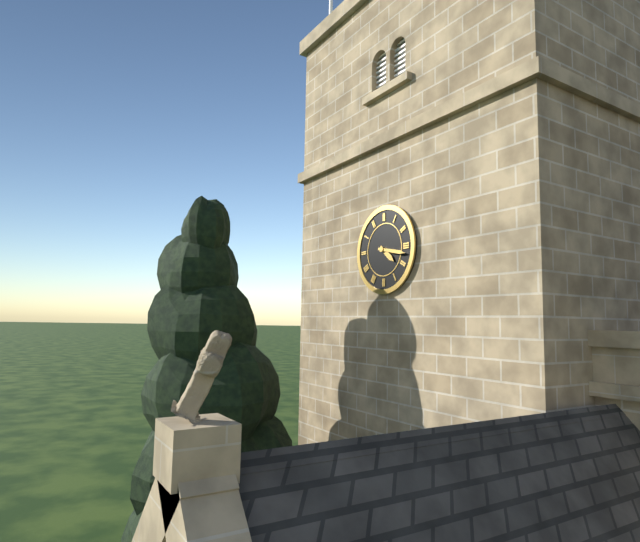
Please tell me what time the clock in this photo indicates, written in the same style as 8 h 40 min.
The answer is 4 h 17 min
